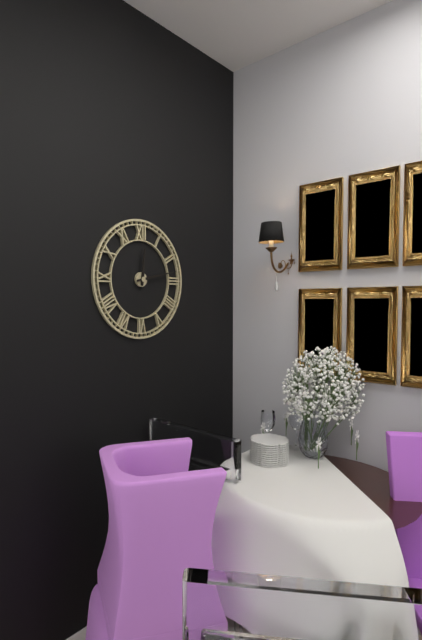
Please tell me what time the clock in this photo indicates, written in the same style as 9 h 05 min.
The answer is 12 h 13 min
